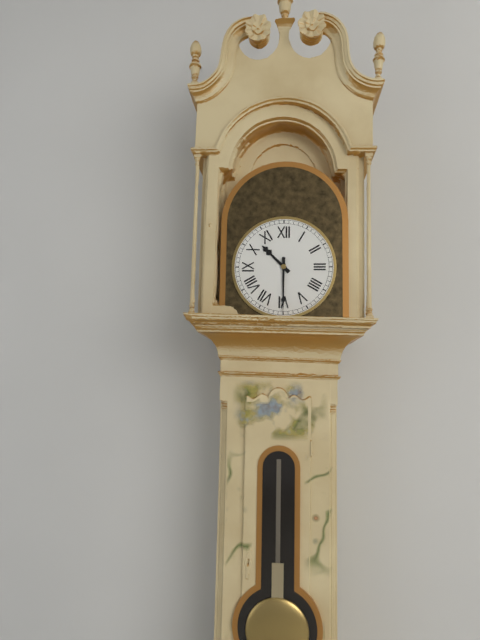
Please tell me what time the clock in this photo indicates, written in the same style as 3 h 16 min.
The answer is 10 h 30 min
